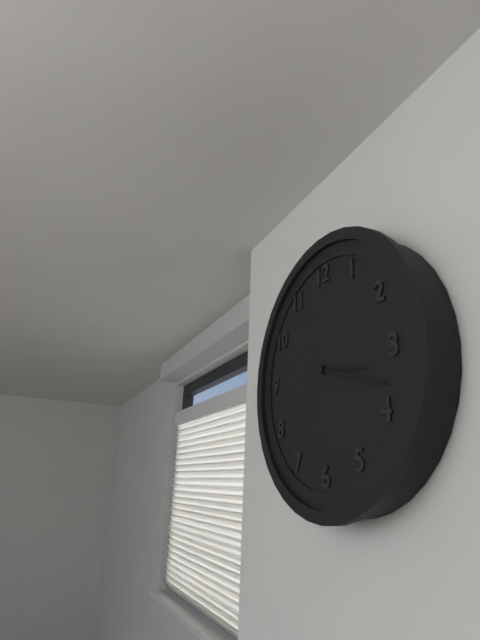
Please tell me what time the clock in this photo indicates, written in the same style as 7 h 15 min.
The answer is 3 h 18 min
